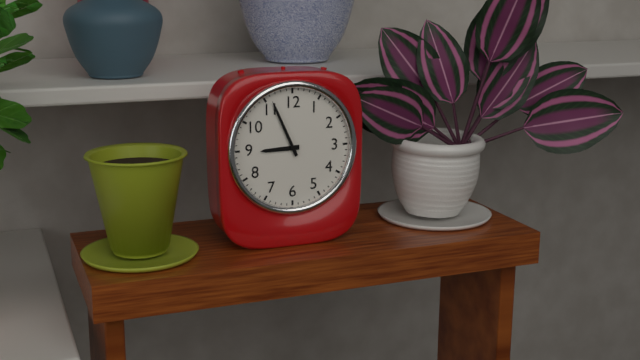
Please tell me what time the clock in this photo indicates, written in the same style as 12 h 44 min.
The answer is 8 h 56 min
